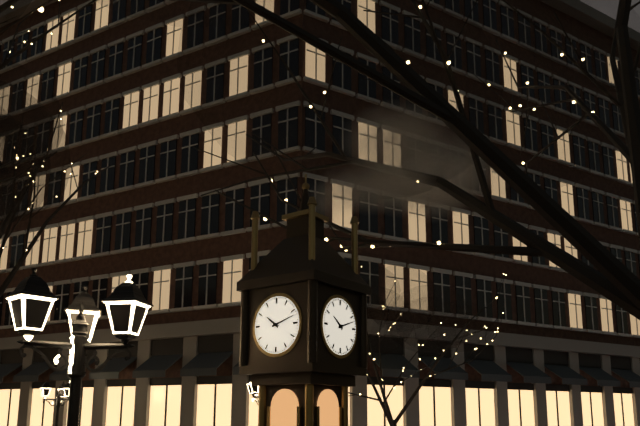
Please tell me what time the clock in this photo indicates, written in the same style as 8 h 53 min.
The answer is 10 h 12 min
